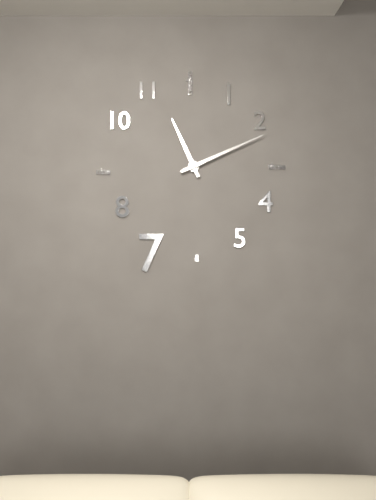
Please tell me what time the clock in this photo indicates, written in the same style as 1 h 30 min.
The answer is 11 h 11 min
